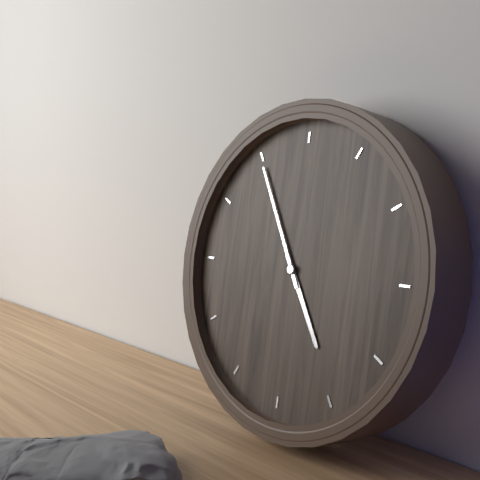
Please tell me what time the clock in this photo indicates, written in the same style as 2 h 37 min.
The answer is 4 h 55 min
